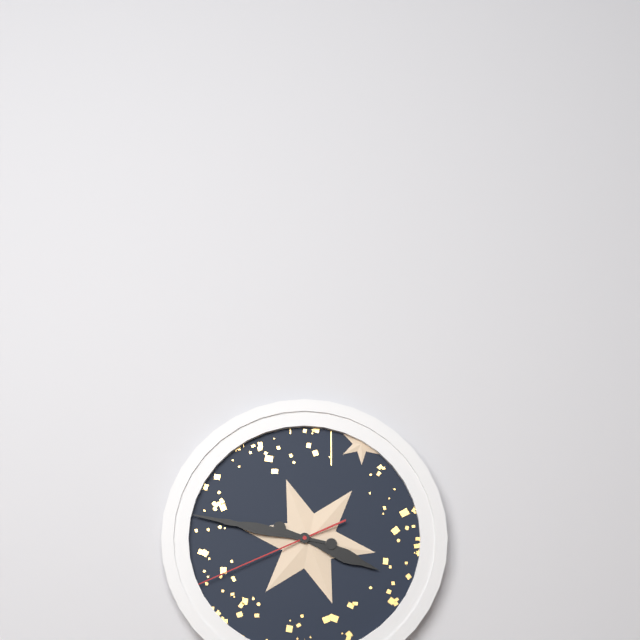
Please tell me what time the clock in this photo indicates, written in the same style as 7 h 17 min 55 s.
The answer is 3 h 47 min 41 s
